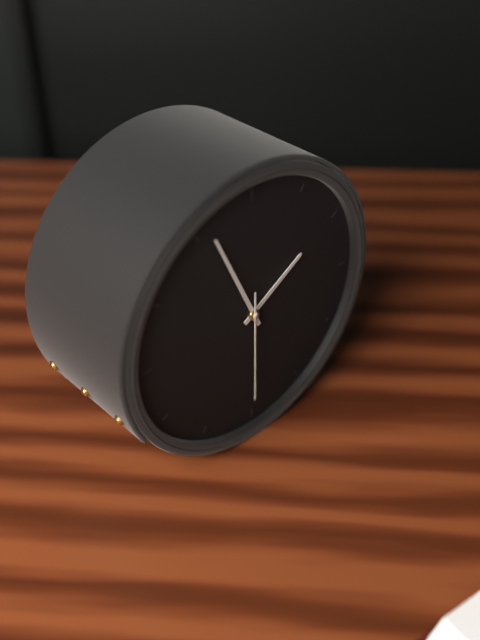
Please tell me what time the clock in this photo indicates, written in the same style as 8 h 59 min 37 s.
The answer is 1 h 56 min 30 s
